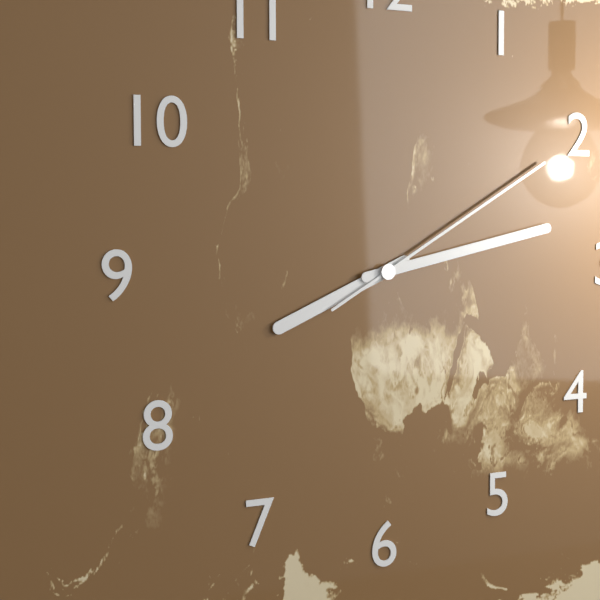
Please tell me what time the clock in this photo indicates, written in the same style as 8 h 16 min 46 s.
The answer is 8 h 13 min 10 s
